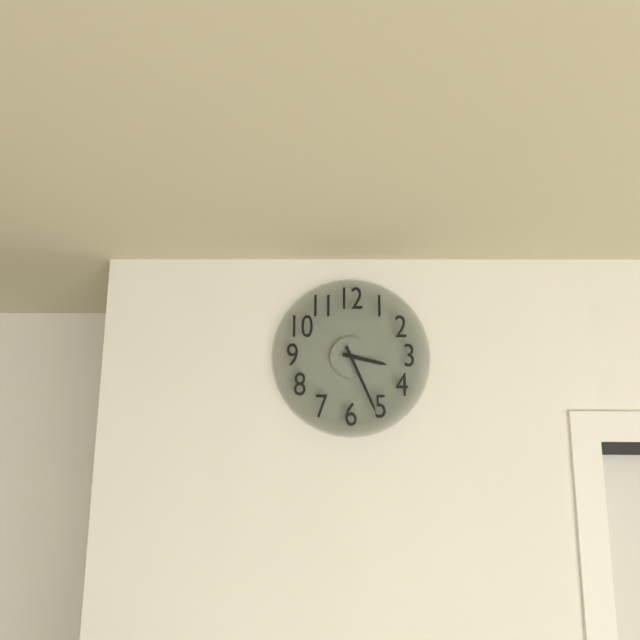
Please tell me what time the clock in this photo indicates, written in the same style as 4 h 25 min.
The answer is 3 h 26 min
